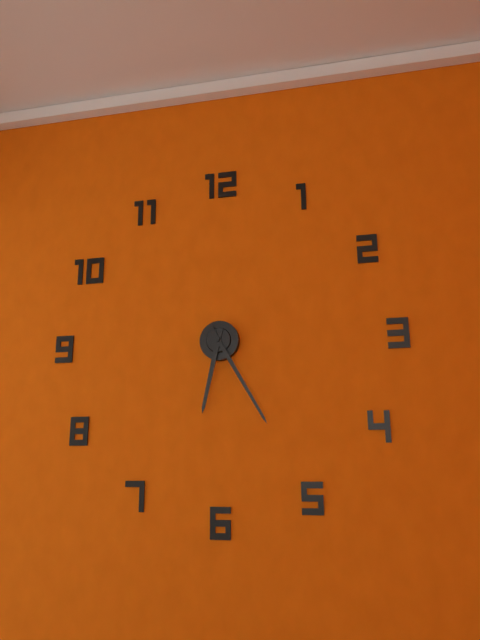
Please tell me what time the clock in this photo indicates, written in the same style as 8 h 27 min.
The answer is 6 h 25 min
